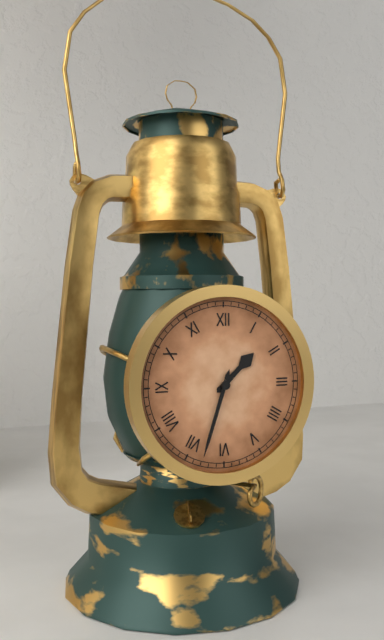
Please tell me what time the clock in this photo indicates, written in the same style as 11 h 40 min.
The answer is 1 h 33 min
